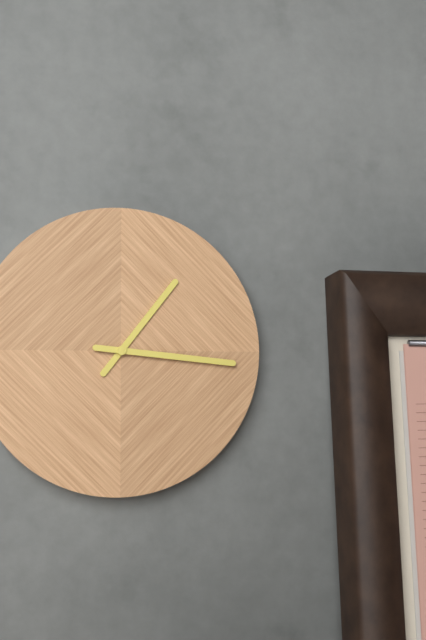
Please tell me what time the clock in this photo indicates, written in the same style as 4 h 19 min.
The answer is 1 h 16 min
